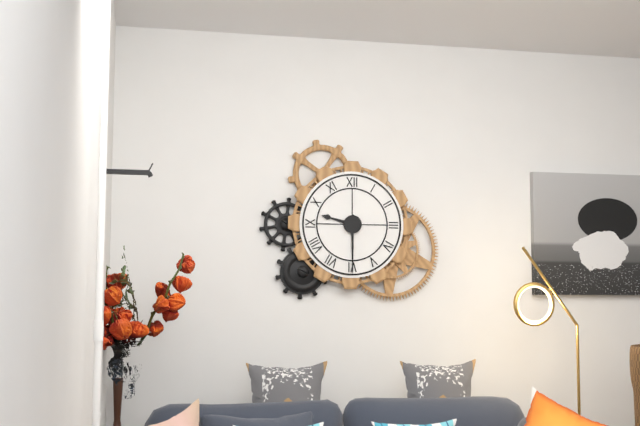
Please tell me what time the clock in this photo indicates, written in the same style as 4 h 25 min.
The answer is 9 h 30 min
